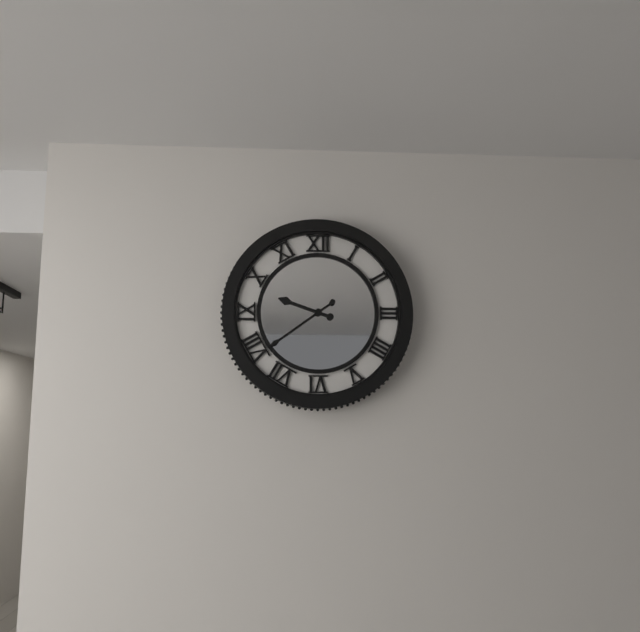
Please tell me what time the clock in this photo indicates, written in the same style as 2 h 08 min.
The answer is 9 h 39 min
